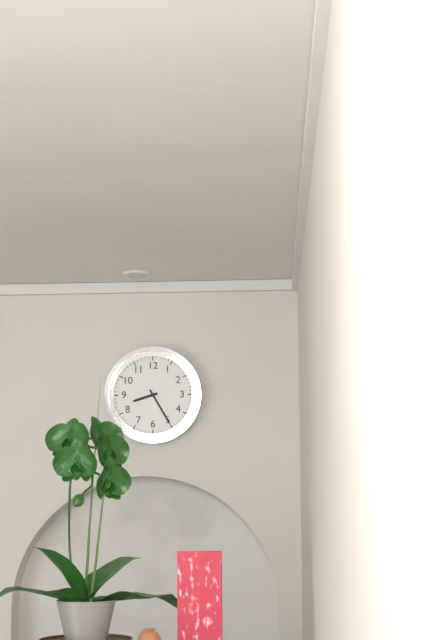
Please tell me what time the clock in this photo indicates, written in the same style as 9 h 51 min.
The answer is 8 h 25 min
